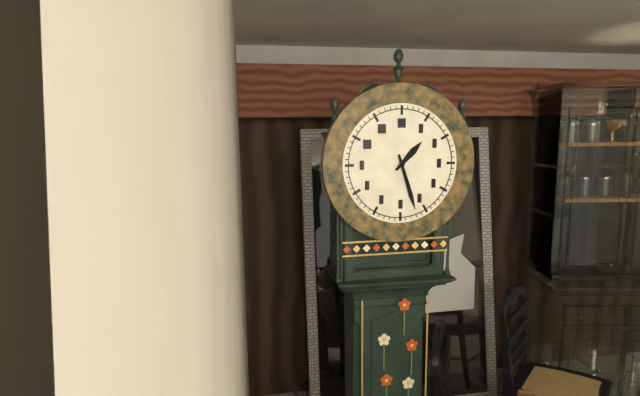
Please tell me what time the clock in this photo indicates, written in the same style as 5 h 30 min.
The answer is 1 h 27 min
